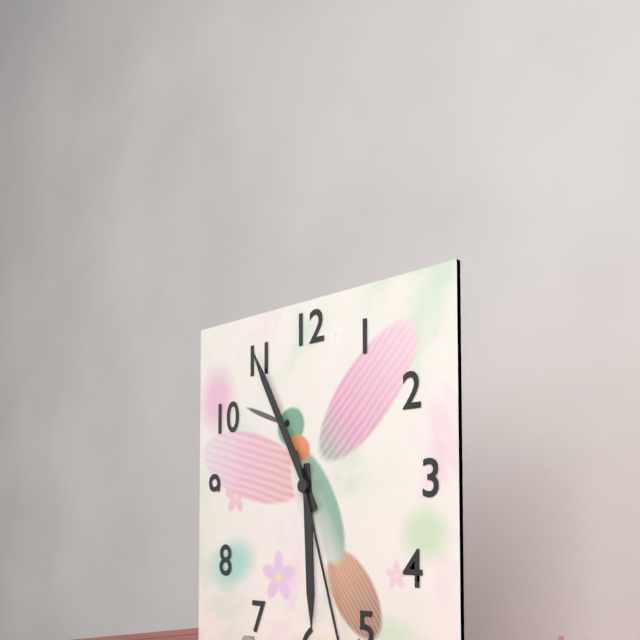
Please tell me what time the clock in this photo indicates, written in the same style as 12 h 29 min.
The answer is 5 h 55 min
